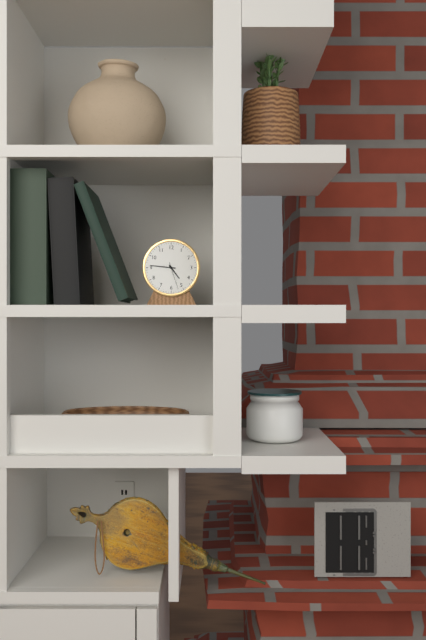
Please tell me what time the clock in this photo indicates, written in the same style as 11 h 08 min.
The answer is 4 h 46 min
